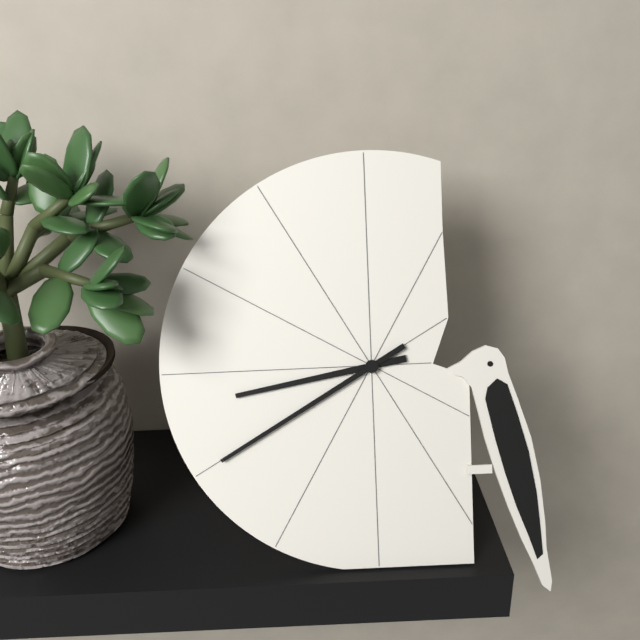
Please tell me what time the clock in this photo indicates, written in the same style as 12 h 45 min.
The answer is 8 h 40 min
